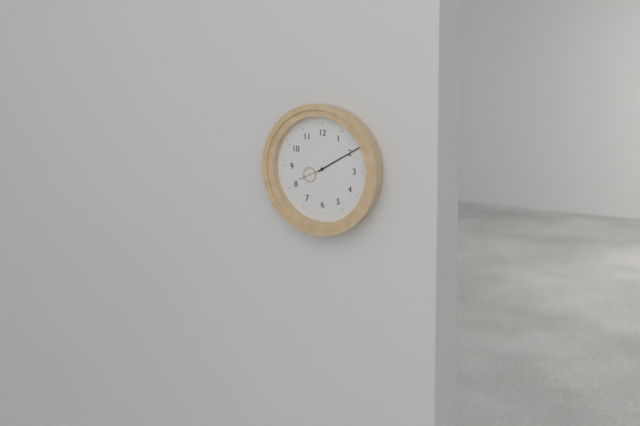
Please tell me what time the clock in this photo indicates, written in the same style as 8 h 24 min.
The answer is 8 h 10 min
